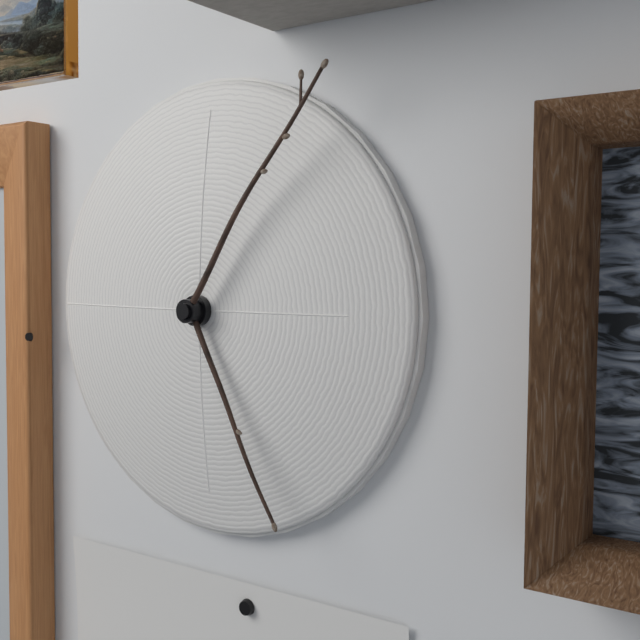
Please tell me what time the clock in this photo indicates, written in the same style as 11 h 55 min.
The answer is 5 h 06 min
